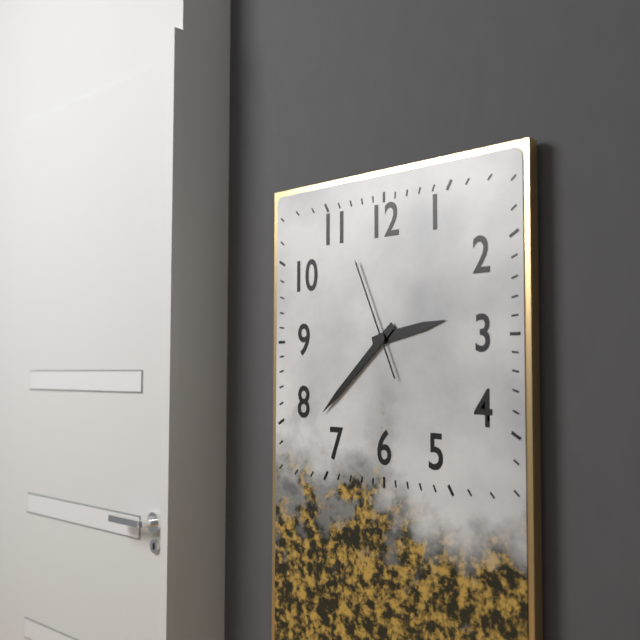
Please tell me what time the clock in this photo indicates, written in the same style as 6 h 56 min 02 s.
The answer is 2 h 38 min 56 s
